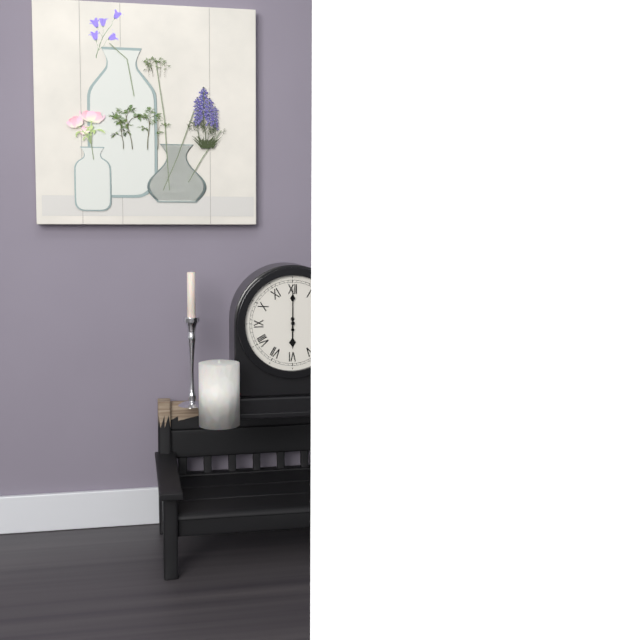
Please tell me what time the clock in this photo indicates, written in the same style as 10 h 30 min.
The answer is 6 h 00 min
